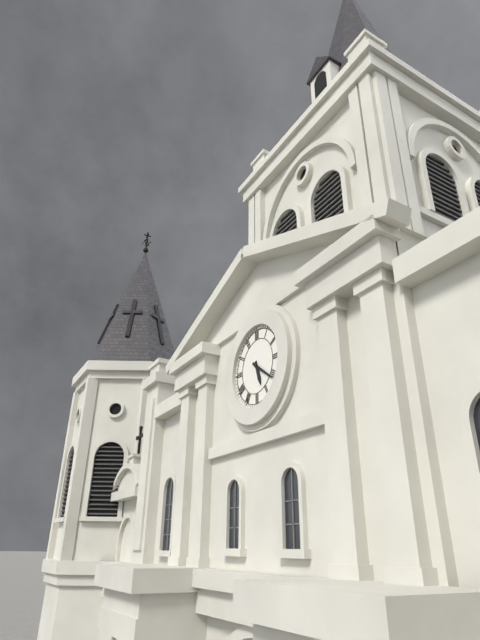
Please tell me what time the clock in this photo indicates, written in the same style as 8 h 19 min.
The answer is 5 h 21 min
